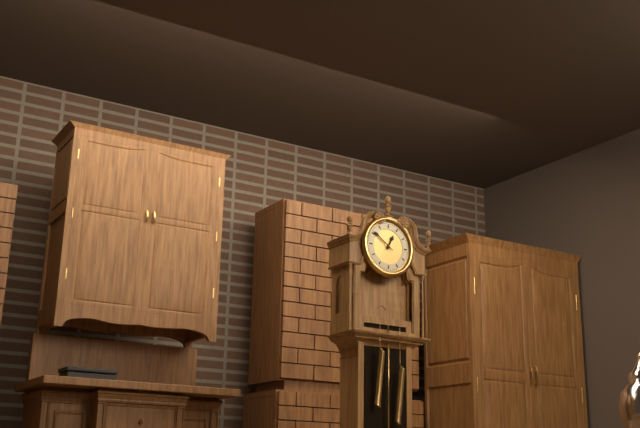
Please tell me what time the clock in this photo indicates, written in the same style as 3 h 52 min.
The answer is 12 h 51 min
